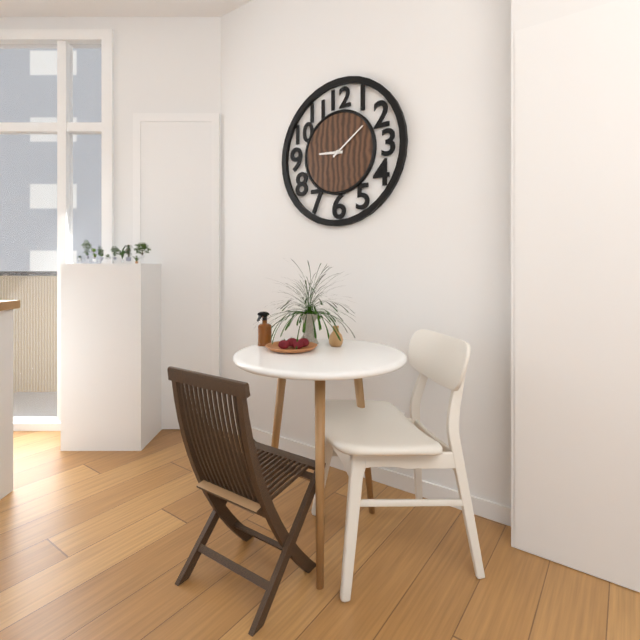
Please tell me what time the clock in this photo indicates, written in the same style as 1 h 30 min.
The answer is 9 h 09 min
